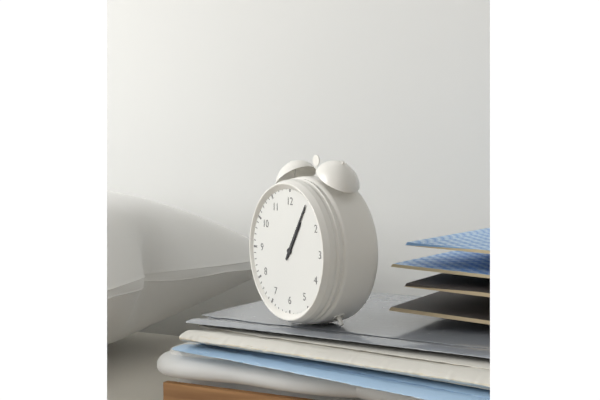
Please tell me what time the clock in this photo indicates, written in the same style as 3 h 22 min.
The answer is 1 h 05 min
